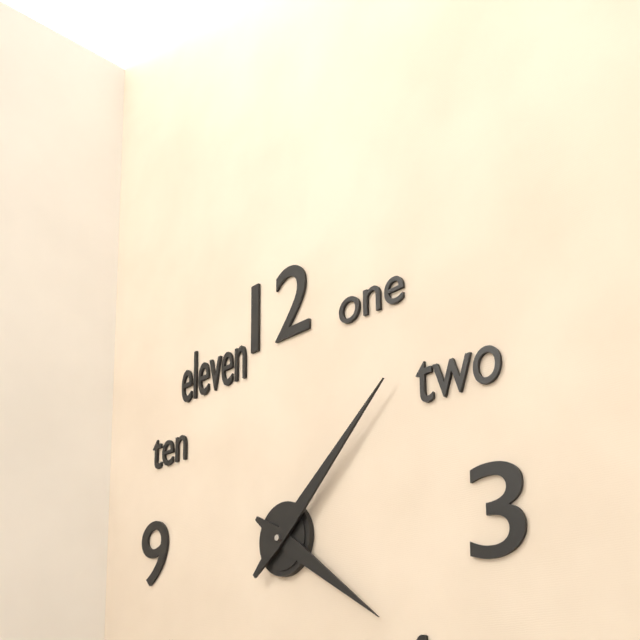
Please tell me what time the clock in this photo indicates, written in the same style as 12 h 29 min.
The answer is 4 h 08 min
